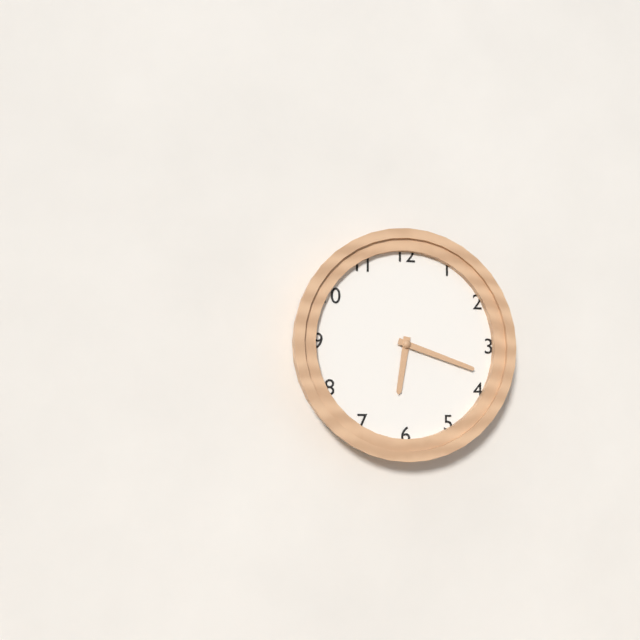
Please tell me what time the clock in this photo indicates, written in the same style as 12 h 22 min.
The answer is 6 h 18 min
